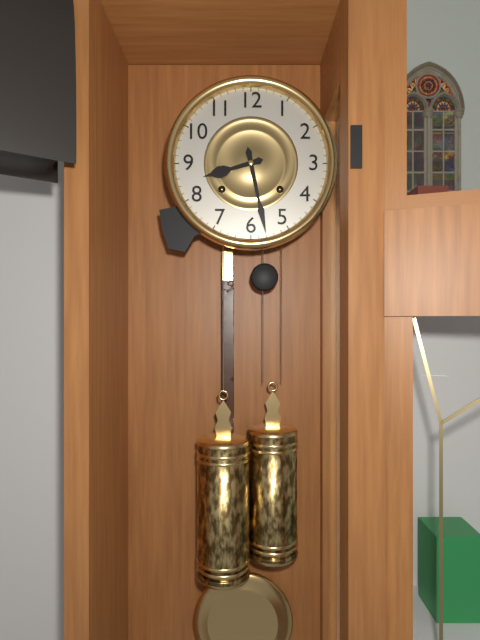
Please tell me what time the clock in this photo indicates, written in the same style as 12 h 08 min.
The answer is 8 h 28 min
